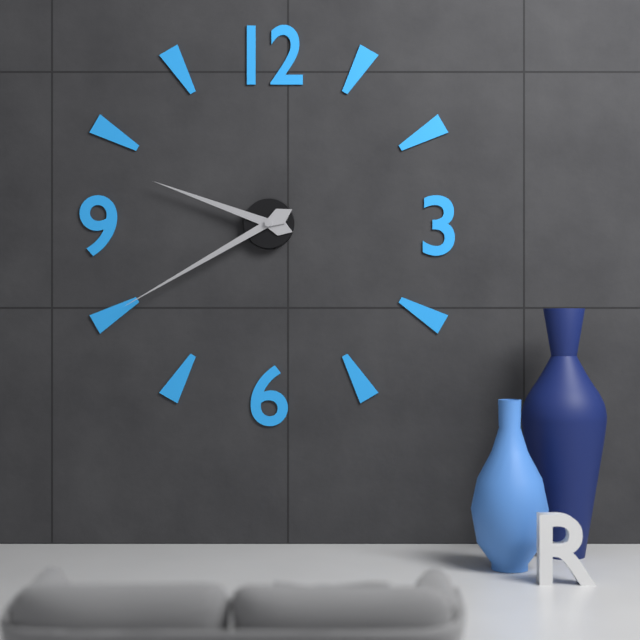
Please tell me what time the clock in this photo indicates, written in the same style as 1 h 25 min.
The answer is 9 h 40 min
